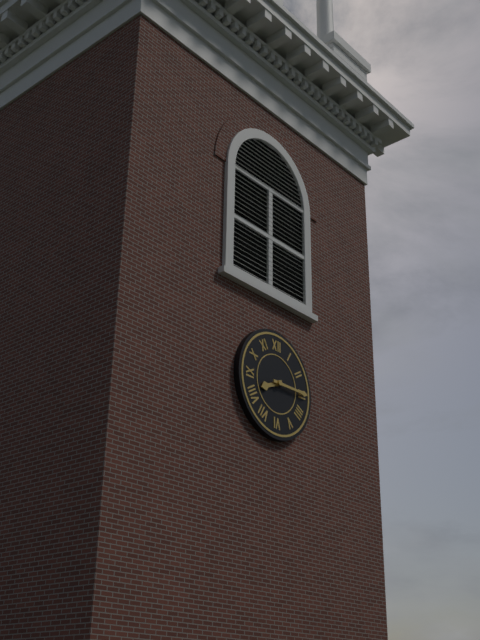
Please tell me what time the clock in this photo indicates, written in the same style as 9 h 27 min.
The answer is 8 h 15 min
